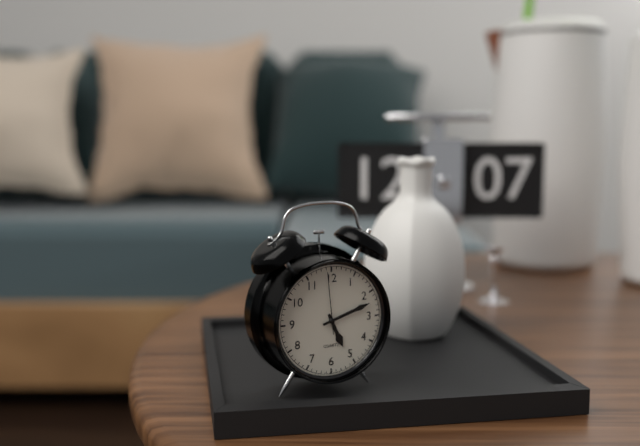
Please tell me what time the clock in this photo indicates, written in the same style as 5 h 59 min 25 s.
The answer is 5 h 12 min 59 s
